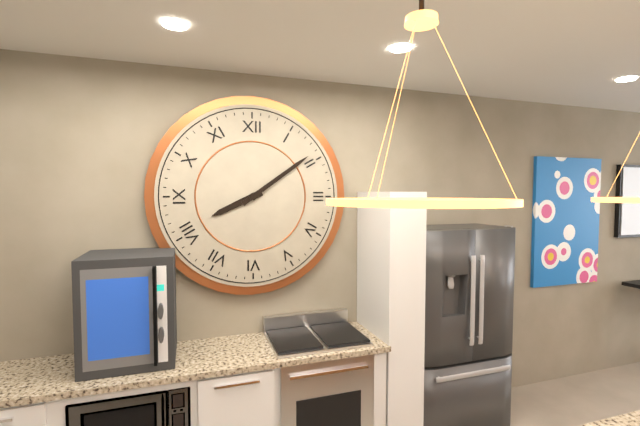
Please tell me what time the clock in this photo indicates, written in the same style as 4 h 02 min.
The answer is 8 h 09 min
